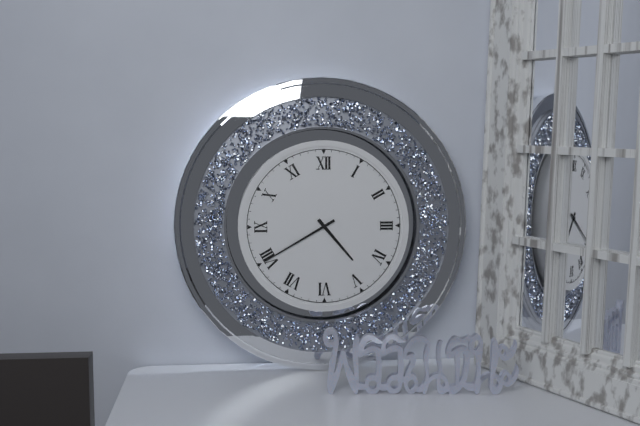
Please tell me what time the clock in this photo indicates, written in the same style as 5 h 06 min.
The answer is 4 h 40 min
